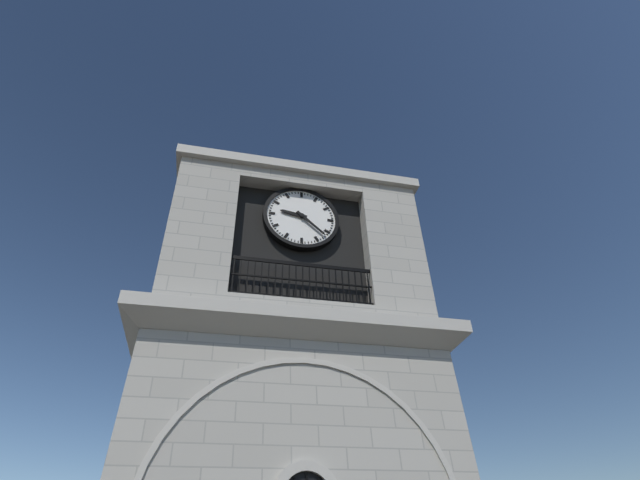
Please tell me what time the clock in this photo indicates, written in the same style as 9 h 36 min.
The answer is 9 h 22 min
